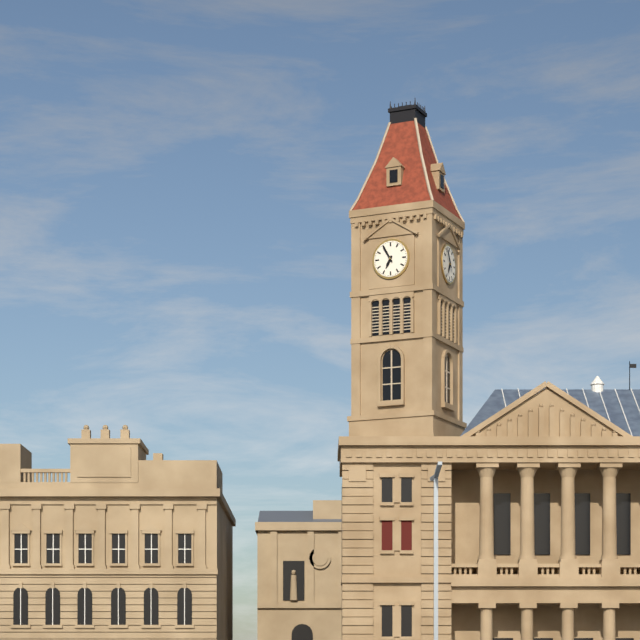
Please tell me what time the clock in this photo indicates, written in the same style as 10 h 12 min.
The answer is 6 h 55 min
